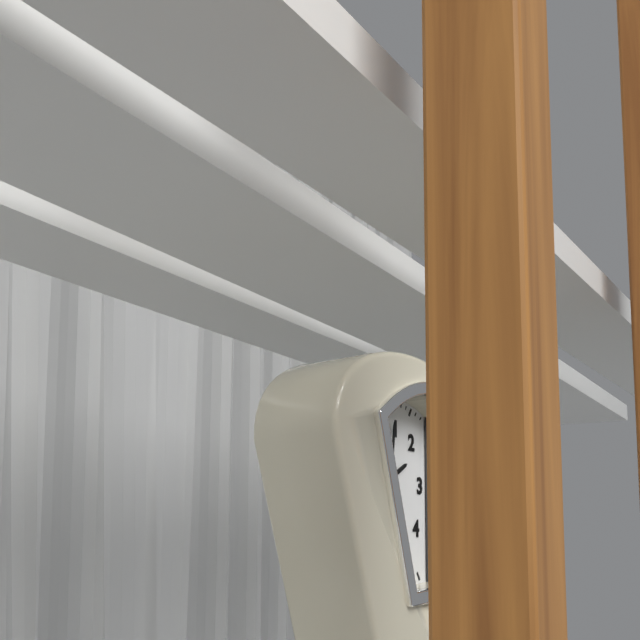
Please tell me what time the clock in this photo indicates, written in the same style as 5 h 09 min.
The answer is 2 h 01 min
